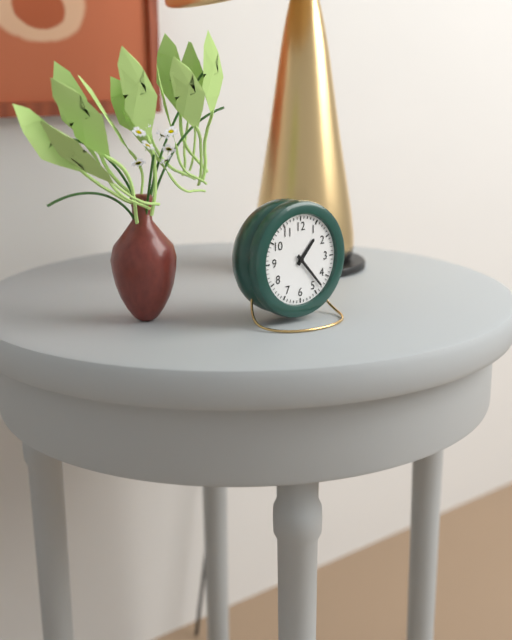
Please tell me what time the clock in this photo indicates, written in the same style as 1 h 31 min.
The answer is 1 h 23 min
